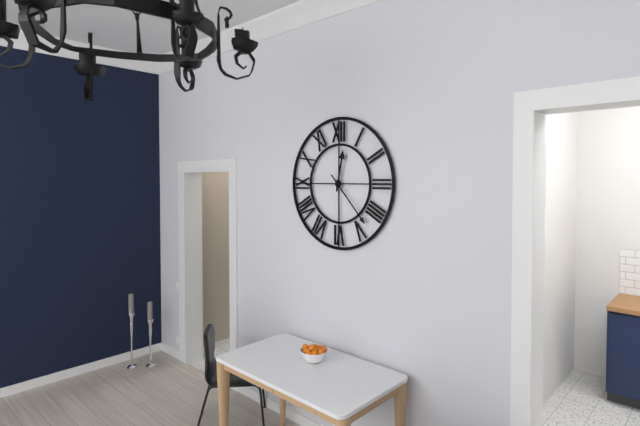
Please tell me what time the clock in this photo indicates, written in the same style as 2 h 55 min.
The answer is 12 h 23 min
